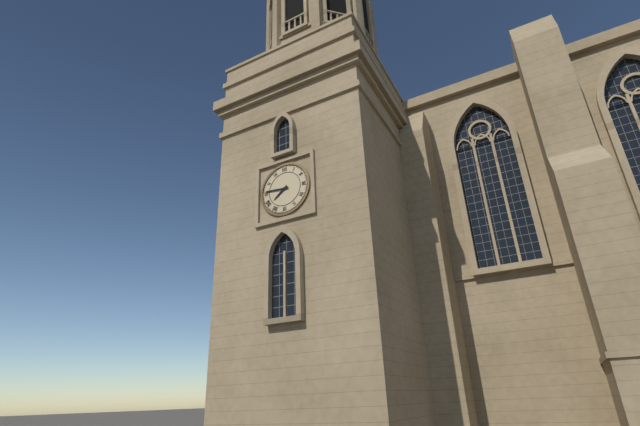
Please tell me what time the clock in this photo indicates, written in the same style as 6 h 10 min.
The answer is 7 h 46 min
